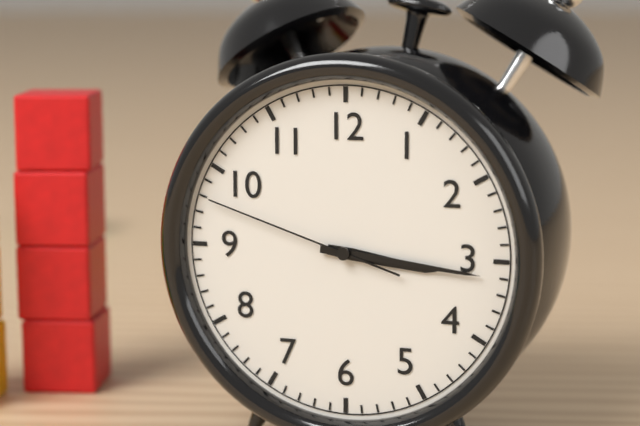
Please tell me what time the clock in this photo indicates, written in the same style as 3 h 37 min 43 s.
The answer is 3 h 16 min 48 s
